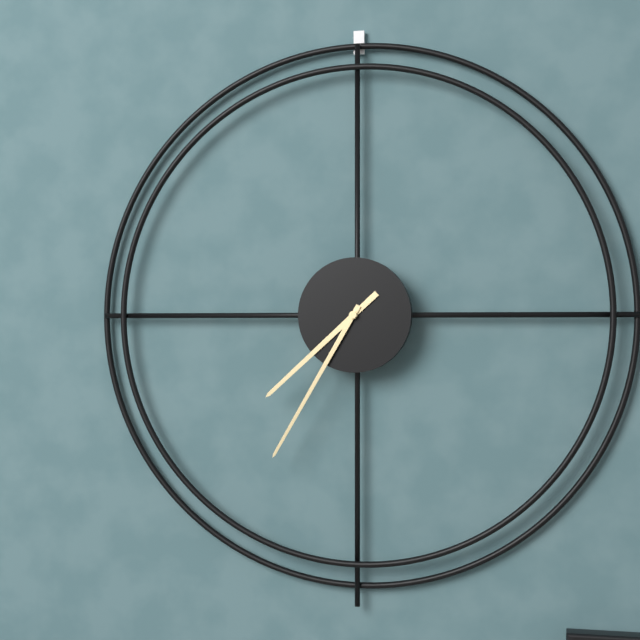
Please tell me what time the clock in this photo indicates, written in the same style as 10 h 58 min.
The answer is 7 h 35 min
